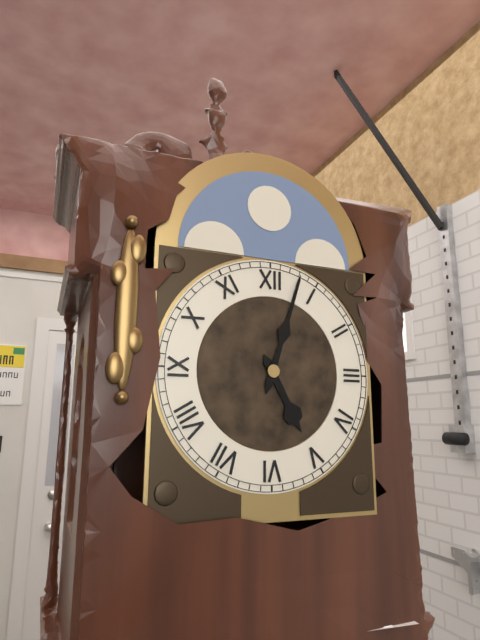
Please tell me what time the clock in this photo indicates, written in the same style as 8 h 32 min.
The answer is 5 h 03 min
